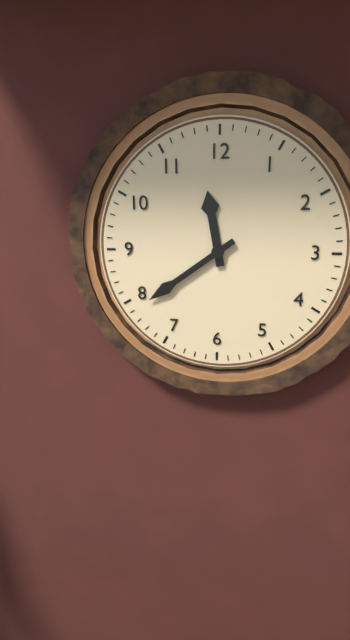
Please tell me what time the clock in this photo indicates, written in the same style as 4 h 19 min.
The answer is 11 h 39 min
